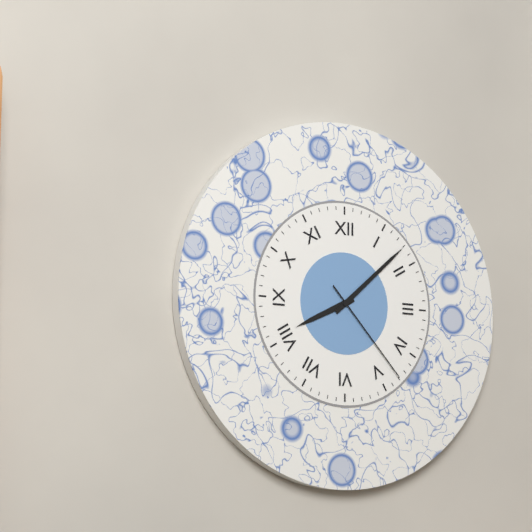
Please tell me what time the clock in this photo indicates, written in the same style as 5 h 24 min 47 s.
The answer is 8 h 08 min 23 s
